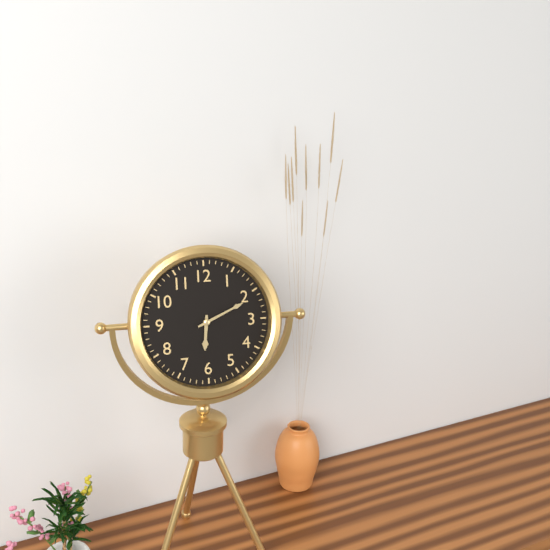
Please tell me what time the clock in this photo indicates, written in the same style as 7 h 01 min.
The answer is 6 h 11 min
